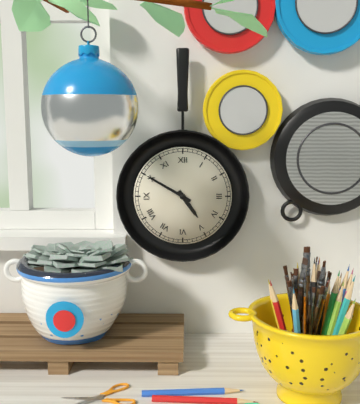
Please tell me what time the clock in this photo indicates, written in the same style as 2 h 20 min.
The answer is 4 h 50 min
